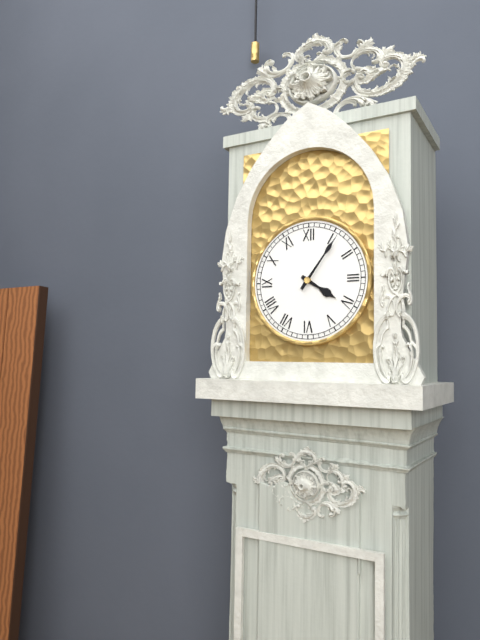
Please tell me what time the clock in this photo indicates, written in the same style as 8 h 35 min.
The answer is 4 h 06 min
